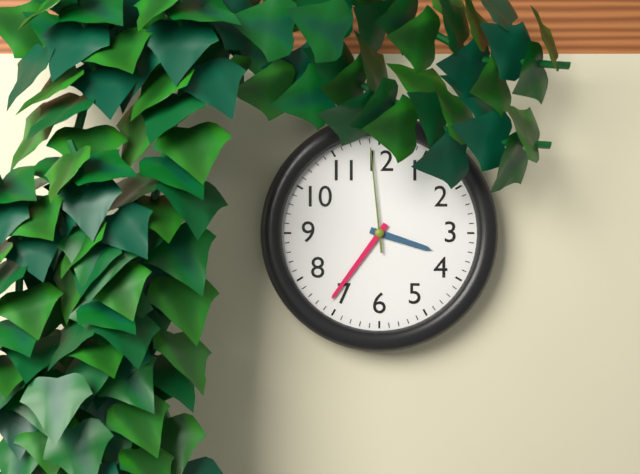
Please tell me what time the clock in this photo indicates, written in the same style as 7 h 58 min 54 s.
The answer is 3 h 36 min 59 s
